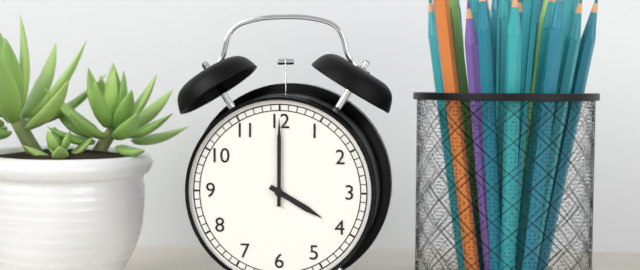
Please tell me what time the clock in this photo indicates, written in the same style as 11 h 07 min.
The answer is 4 h 00 min
